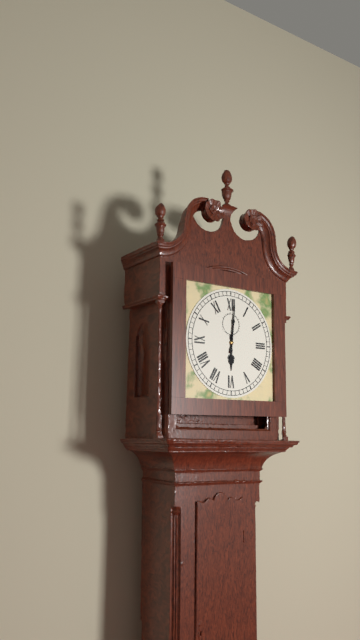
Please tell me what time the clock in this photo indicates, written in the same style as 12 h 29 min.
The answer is 6 h 01 min
